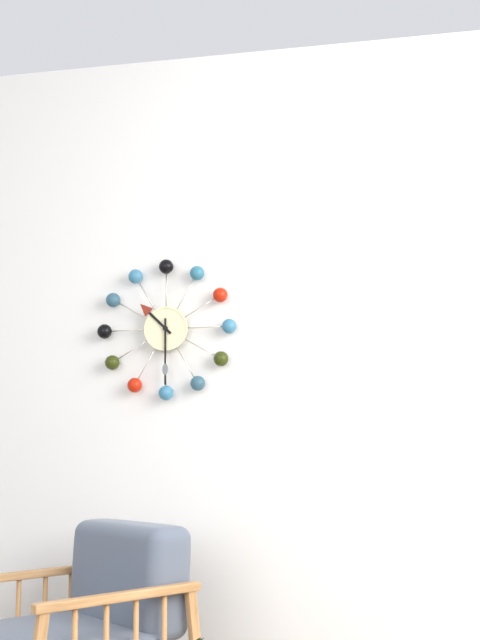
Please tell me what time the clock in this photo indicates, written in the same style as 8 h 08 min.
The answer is 10 h 30 min
